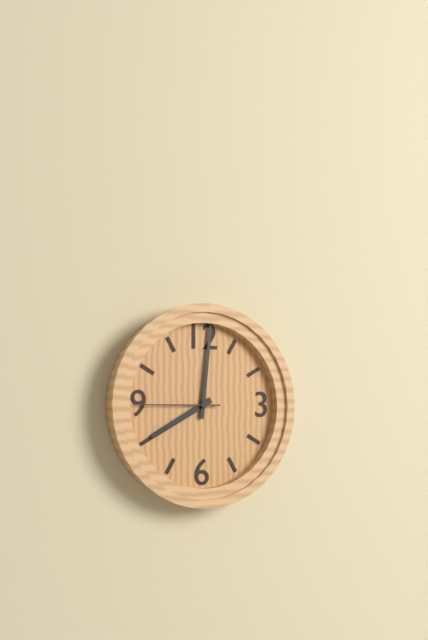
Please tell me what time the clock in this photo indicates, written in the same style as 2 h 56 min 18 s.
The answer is 8 h 01 min 45 s
